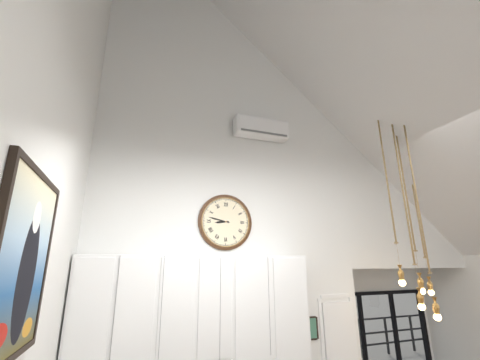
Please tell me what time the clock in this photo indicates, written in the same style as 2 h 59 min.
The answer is 8 h 47 min
